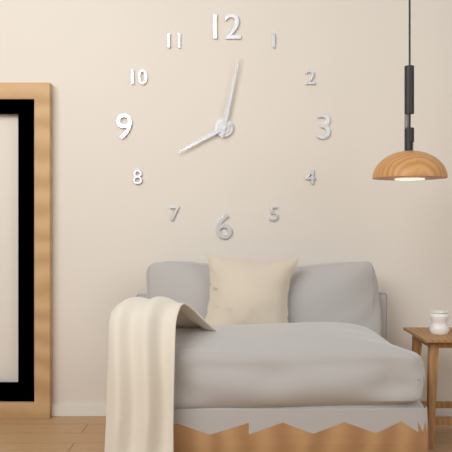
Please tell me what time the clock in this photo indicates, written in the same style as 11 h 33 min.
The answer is 8 h 02 min
